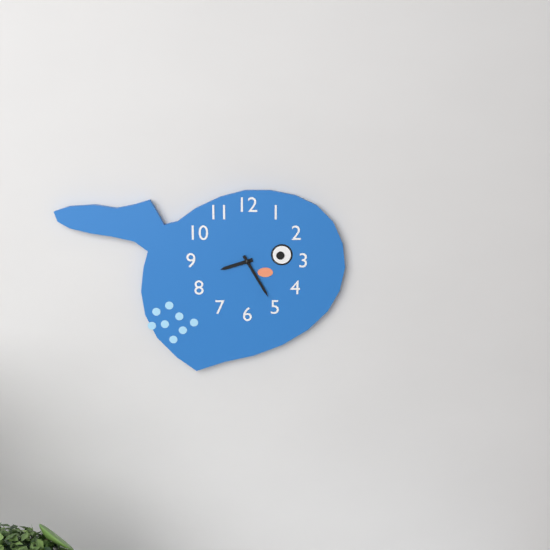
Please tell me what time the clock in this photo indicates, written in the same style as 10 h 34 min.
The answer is 8 h 25 min
